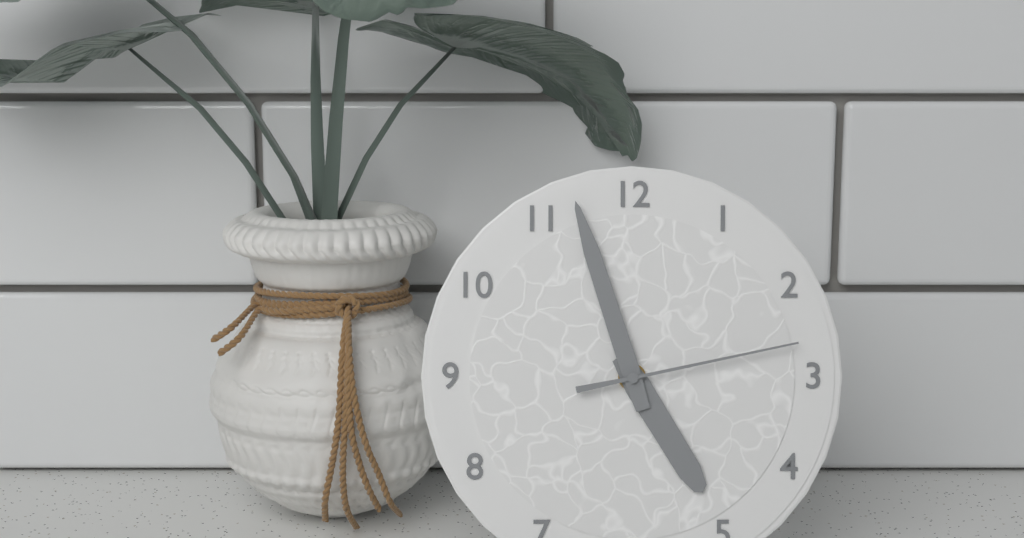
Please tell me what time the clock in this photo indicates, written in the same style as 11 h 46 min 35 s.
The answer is 4 h 57 min 13 s
